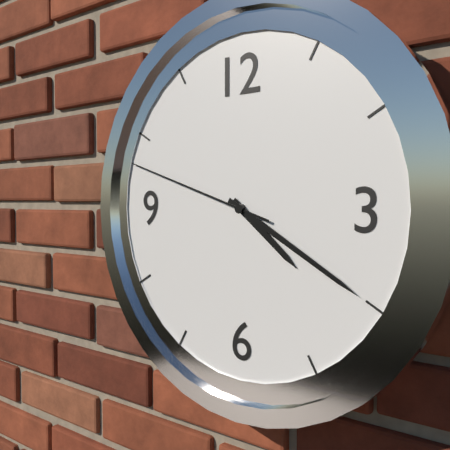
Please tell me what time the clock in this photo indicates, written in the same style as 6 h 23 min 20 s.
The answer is 4 h 20 min 48 s
